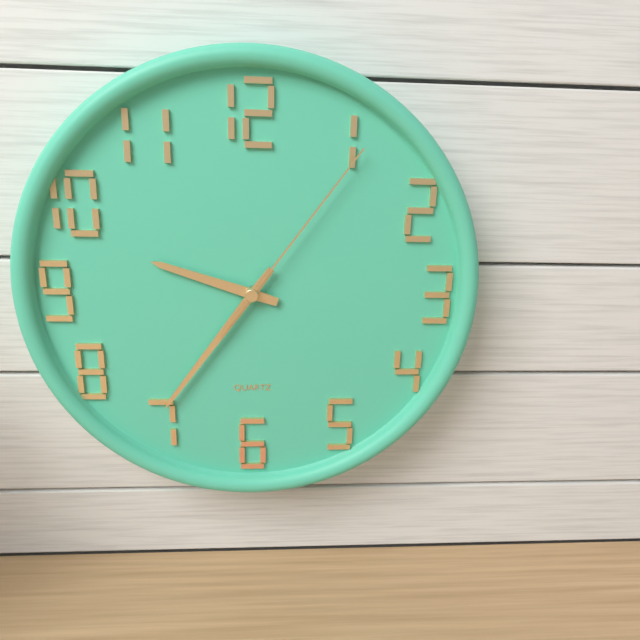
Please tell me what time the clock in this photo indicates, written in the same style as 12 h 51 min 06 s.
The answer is 9 h 36 min 06 s
